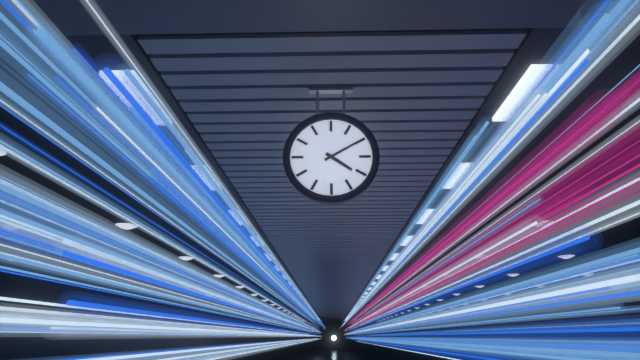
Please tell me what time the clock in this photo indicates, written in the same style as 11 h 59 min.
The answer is 4 h 10 min
